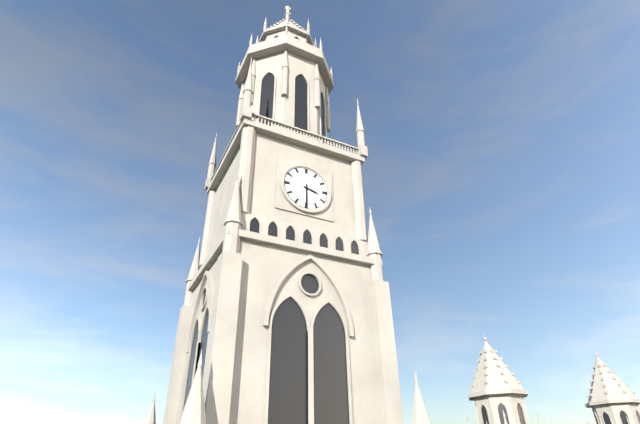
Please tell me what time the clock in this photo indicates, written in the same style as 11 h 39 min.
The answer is 3 h 30 min
